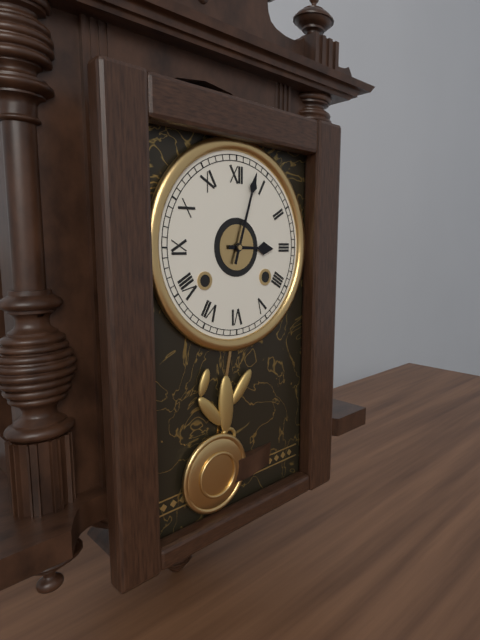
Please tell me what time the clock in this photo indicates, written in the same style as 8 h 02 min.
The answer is 3 h 03 min
